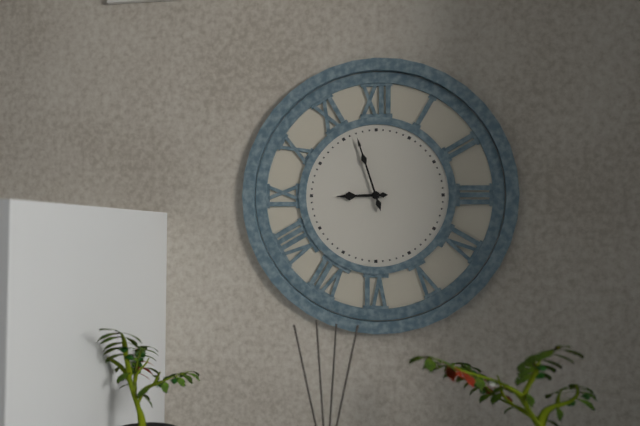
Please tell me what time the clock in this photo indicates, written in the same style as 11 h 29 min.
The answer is 8 h 57 min
